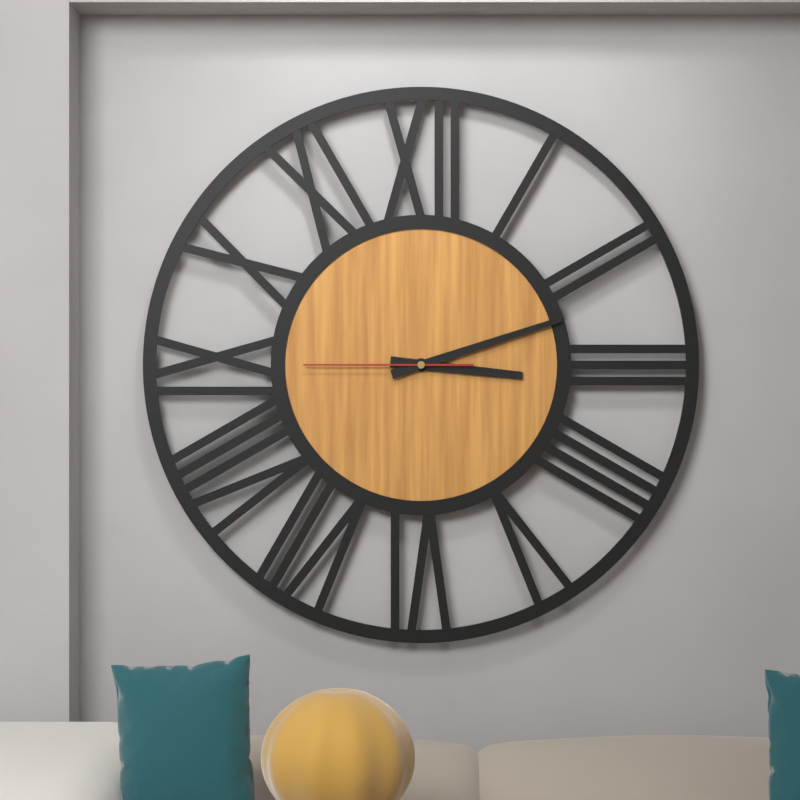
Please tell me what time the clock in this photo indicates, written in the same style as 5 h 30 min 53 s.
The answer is 3 h 12 min 45 s
